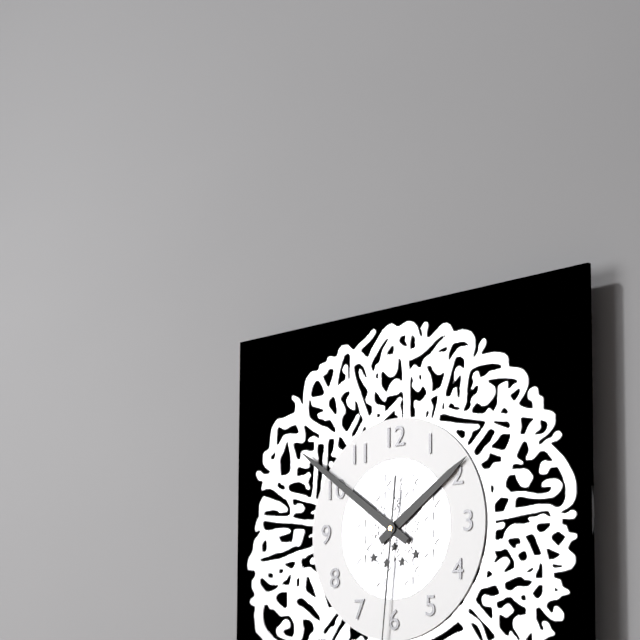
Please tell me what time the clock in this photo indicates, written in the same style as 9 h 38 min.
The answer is 1 h 51 min
